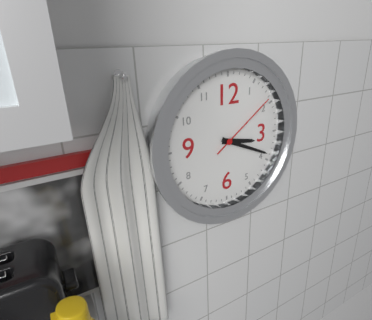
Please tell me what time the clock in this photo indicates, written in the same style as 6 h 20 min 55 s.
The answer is 3 h 19 min 09 s
